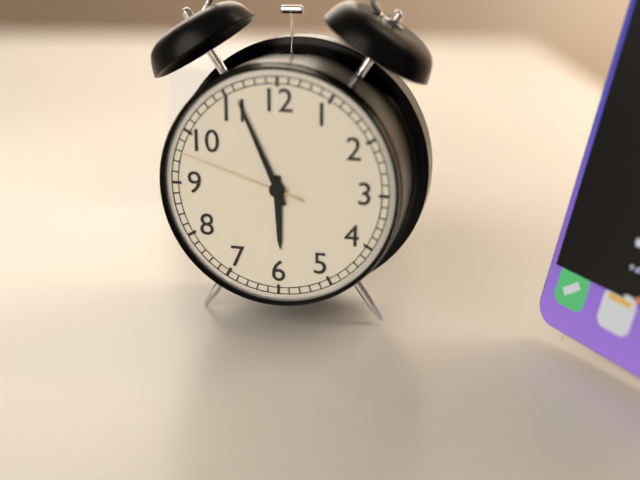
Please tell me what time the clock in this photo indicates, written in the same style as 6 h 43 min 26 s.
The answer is 5 h 56 min 48 s
